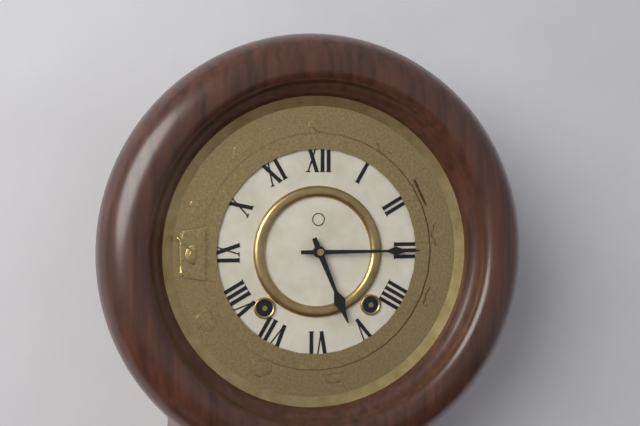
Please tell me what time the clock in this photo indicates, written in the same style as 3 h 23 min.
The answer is 5 h 15 min
